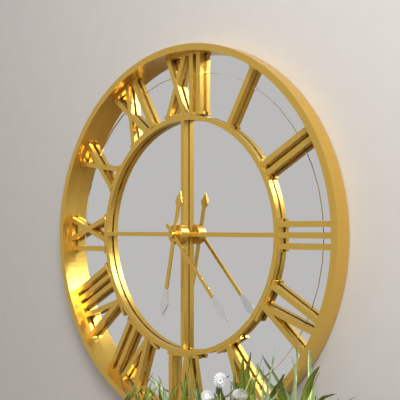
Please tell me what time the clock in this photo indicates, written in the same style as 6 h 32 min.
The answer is 6 h 23 min
